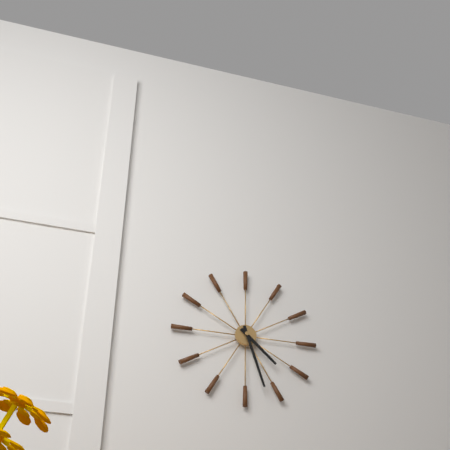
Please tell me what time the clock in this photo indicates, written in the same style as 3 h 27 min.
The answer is 4 h 27 min
